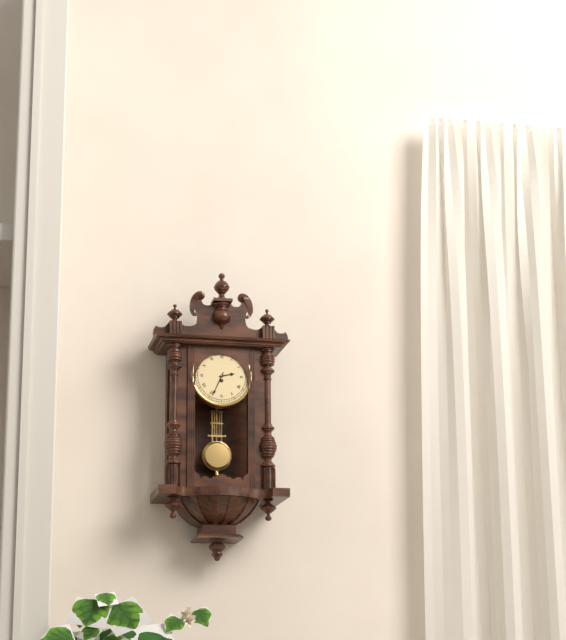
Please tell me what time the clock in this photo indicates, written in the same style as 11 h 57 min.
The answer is 2 h 34 min
